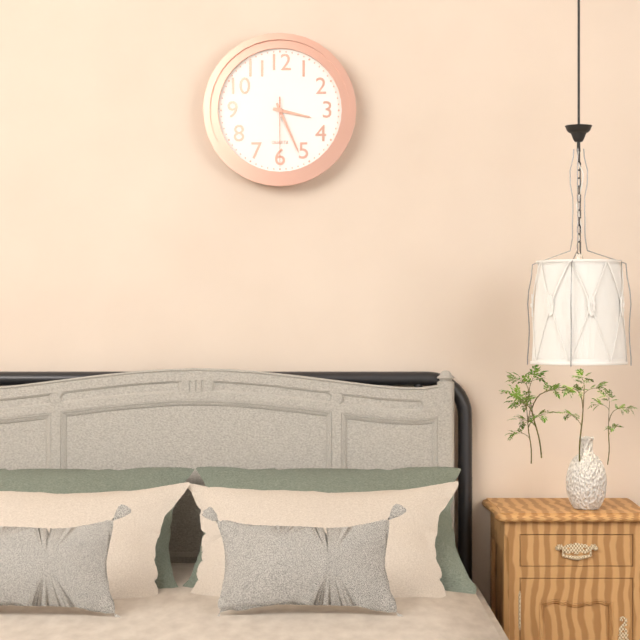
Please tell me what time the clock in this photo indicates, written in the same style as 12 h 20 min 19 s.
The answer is 3 h 26 min 30 s
